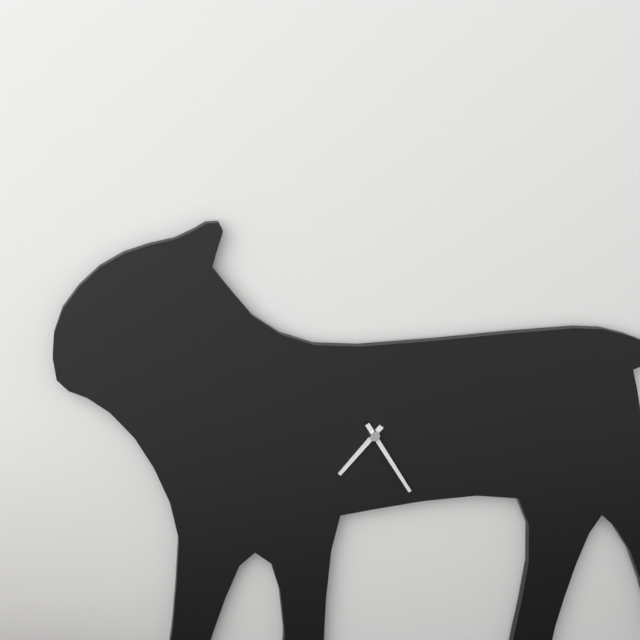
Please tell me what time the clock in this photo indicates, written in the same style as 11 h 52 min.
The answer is 7 h 25 min
